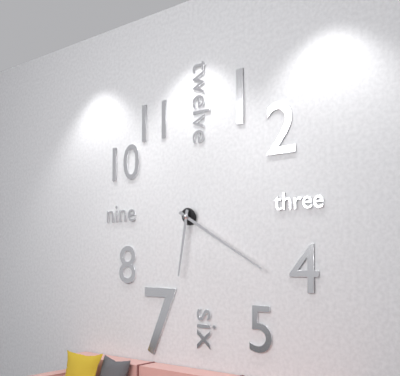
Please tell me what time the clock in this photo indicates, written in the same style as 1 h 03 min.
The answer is 6 h 20 min
